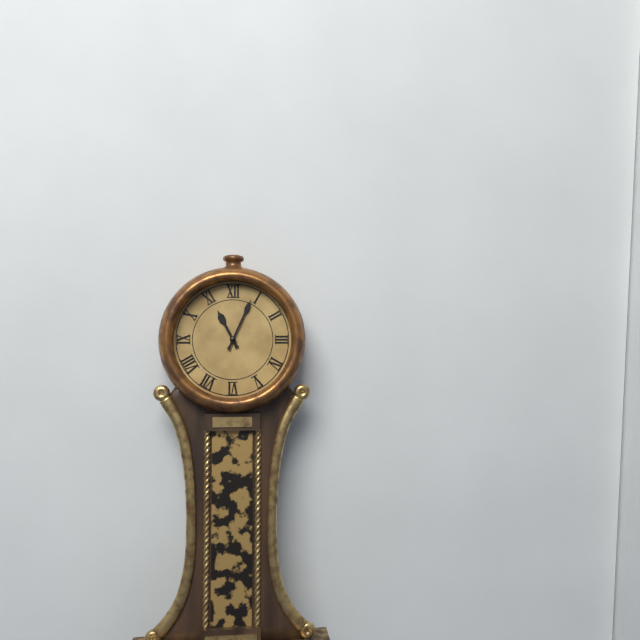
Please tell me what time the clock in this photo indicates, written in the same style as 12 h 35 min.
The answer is 11 h 04 min
